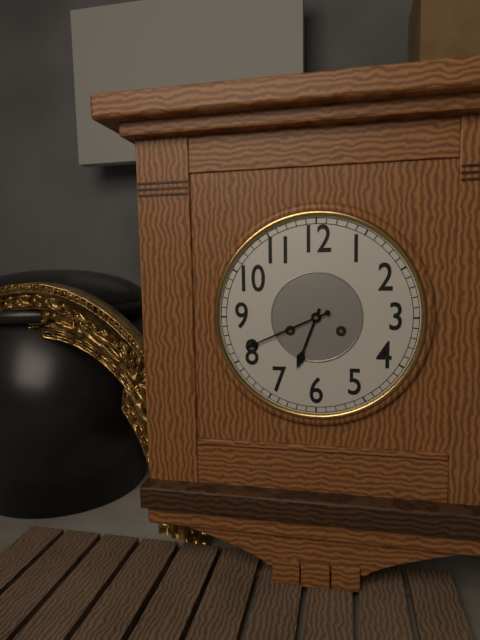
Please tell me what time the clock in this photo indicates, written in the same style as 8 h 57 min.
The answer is 6 h 41 min
